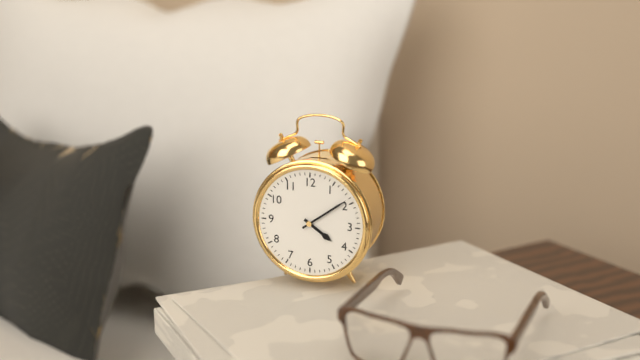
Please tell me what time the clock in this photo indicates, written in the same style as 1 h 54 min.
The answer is 4 h 09 min
